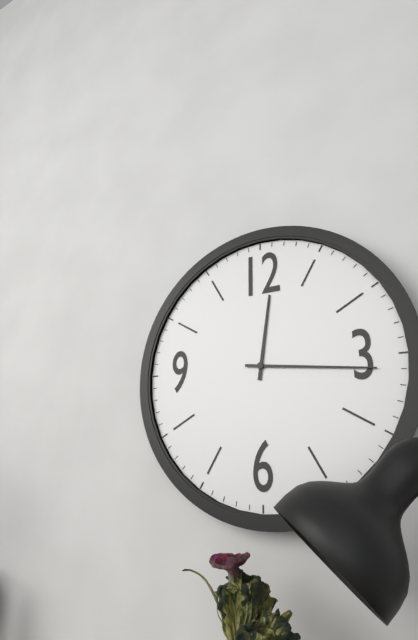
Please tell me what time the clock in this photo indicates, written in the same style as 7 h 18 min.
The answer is 12 h 16 min
